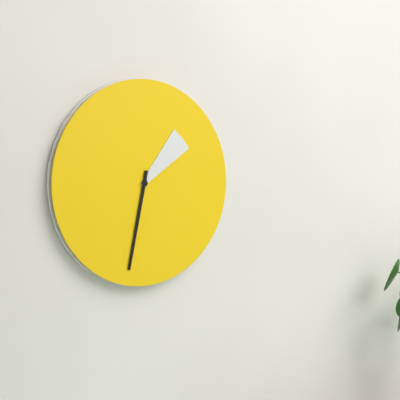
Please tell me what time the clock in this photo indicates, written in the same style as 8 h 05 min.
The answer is 1 h 32 min
